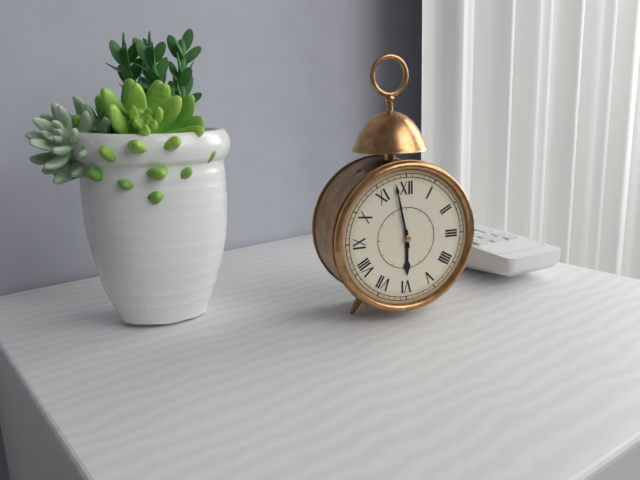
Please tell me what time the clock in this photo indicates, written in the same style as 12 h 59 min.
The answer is 5 h 58 min
